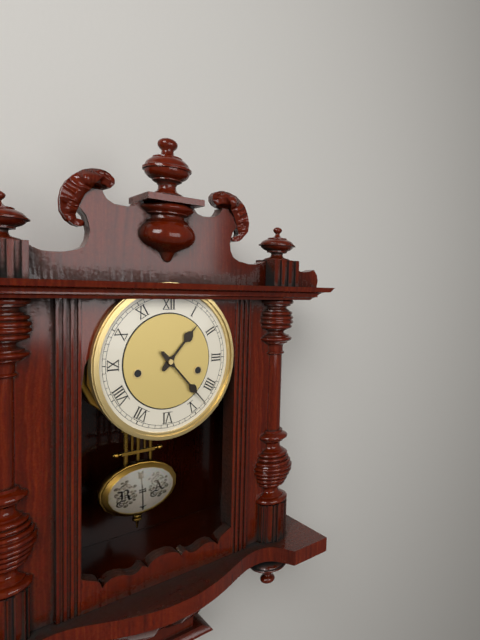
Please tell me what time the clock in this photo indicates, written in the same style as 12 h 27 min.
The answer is 1 h 23 min
